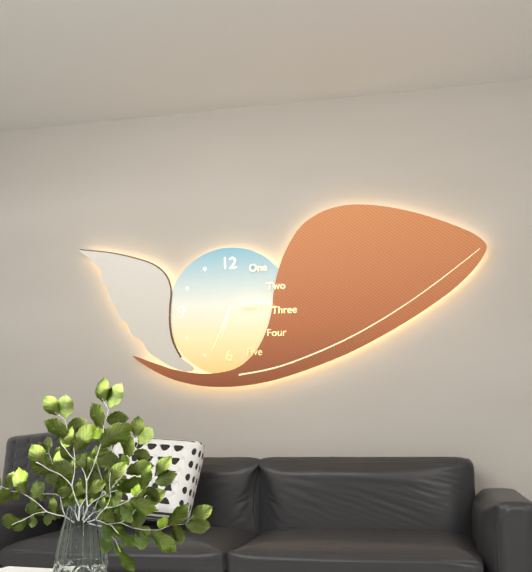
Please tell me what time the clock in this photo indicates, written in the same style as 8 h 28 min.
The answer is 6 h 34 min
